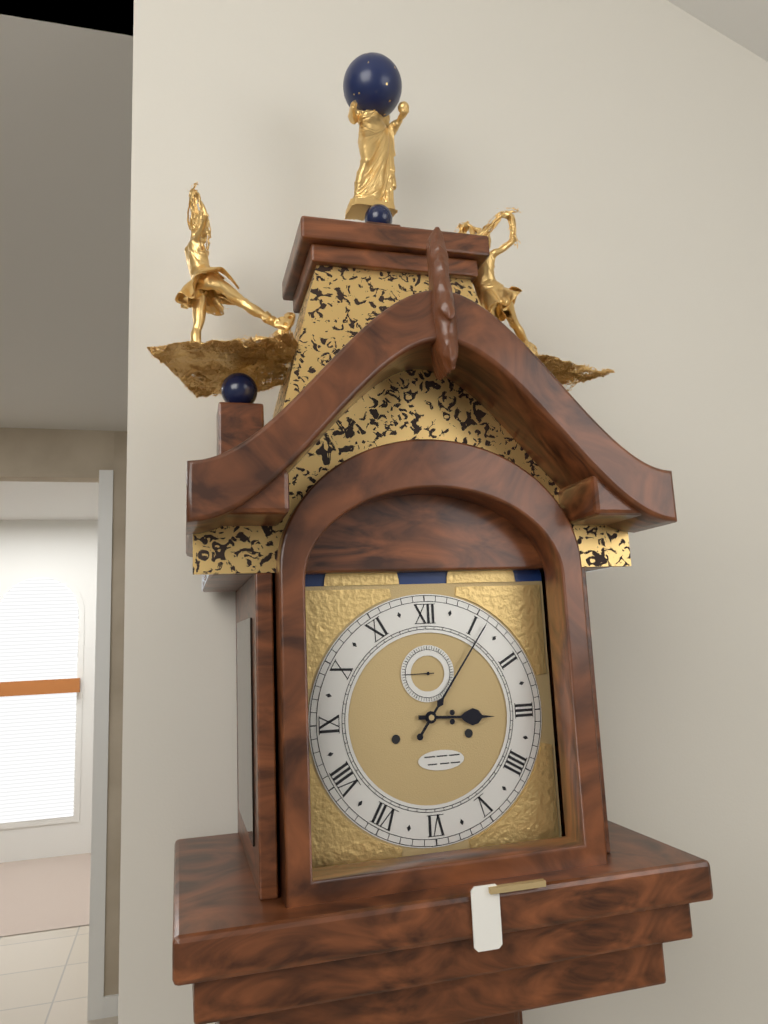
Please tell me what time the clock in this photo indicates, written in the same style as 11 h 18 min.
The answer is 3 h 06 min
